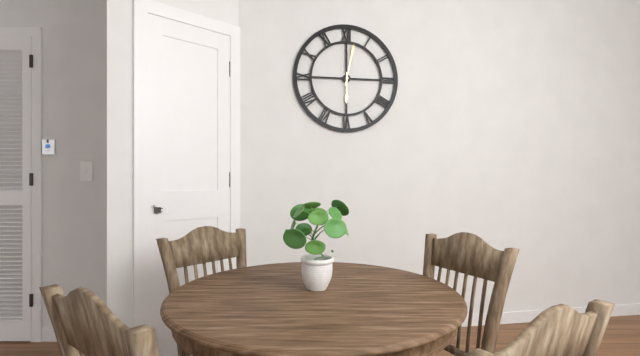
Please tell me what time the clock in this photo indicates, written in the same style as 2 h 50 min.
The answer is 6 h 02 min
